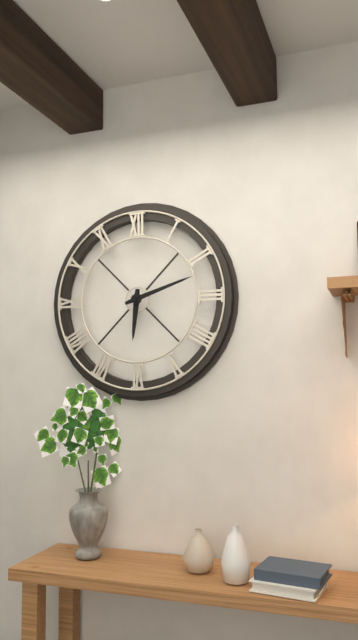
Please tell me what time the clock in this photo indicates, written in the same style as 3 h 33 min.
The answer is 6 h 12 min
